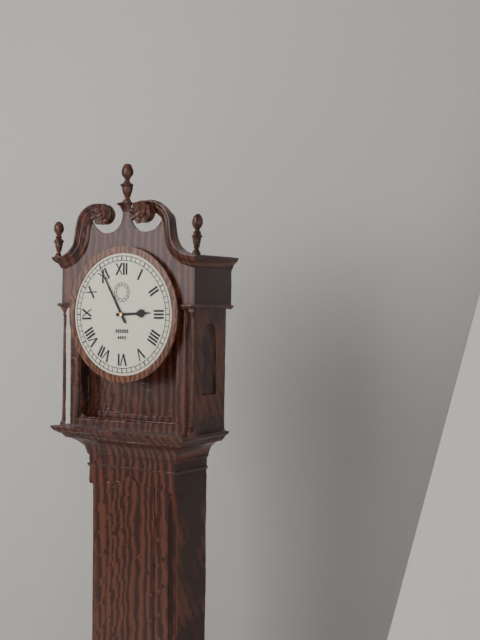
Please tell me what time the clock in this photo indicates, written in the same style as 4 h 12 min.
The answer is 2 h 55 min
